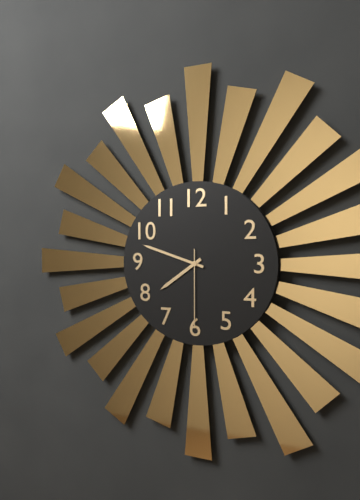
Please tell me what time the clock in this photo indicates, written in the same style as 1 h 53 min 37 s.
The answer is 7 h 48 min 30 s
